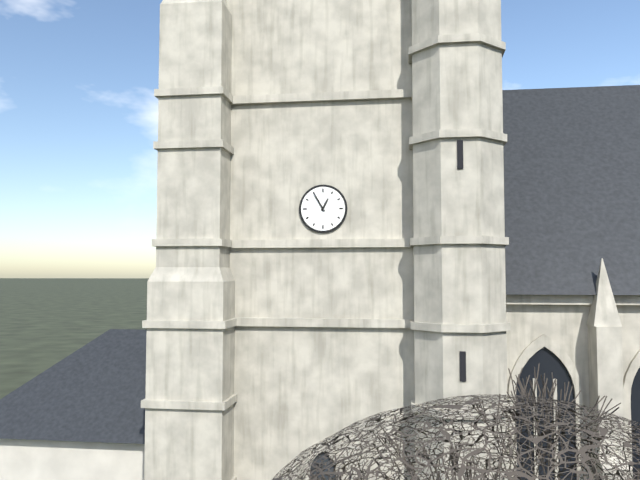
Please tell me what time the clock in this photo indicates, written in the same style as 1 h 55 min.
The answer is 12 h 55 min
